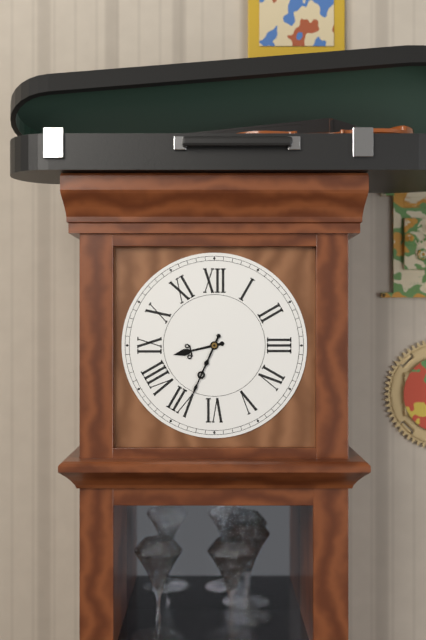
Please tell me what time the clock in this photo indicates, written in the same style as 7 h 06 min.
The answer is 8 h 34 min
